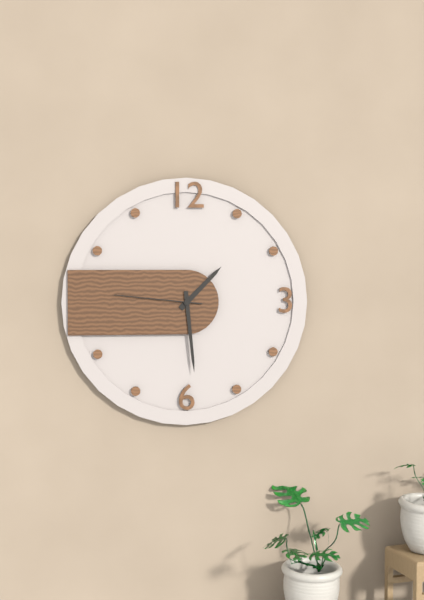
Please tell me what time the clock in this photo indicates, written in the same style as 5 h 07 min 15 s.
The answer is 1 h 29 min 46 s
